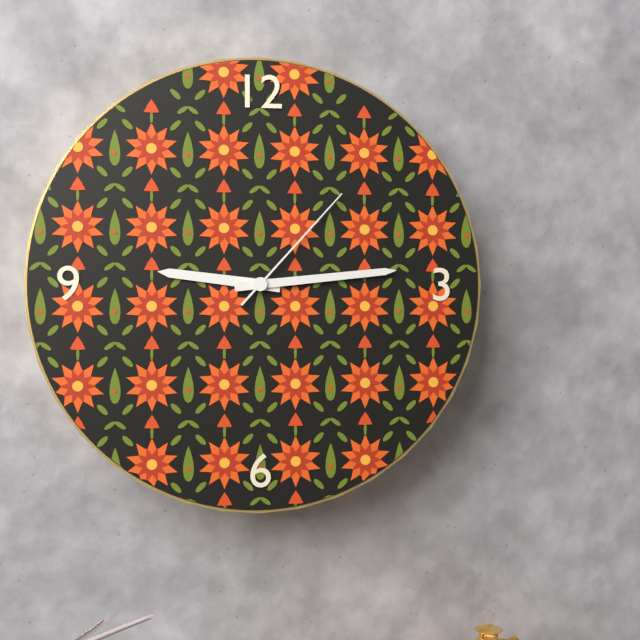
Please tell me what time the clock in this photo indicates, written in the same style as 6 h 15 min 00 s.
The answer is 9 h 14 min 07 s
